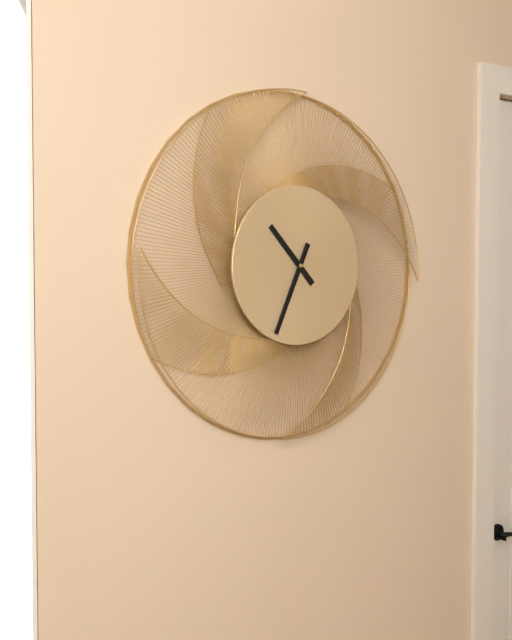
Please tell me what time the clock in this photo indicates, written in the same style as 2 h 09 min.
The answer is 10 h 34 min
